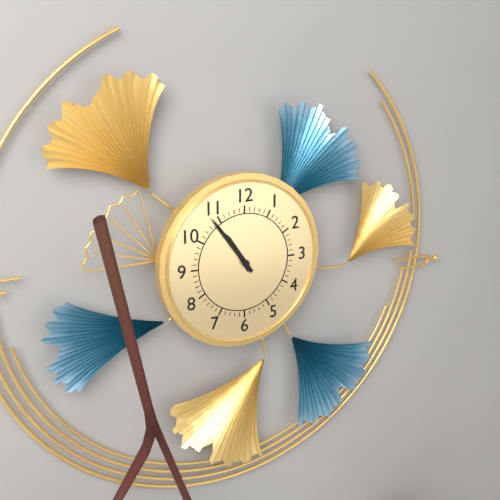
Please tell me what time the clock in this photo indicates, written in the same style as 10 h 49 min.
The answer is 10 h 54 min
